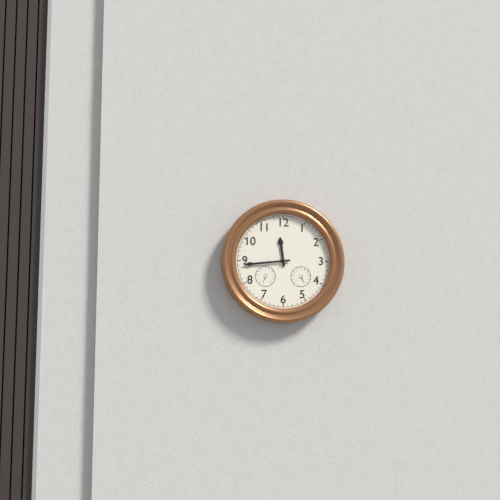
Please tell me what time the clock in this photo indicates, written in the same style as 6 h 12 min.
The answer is 11 h 44 min
